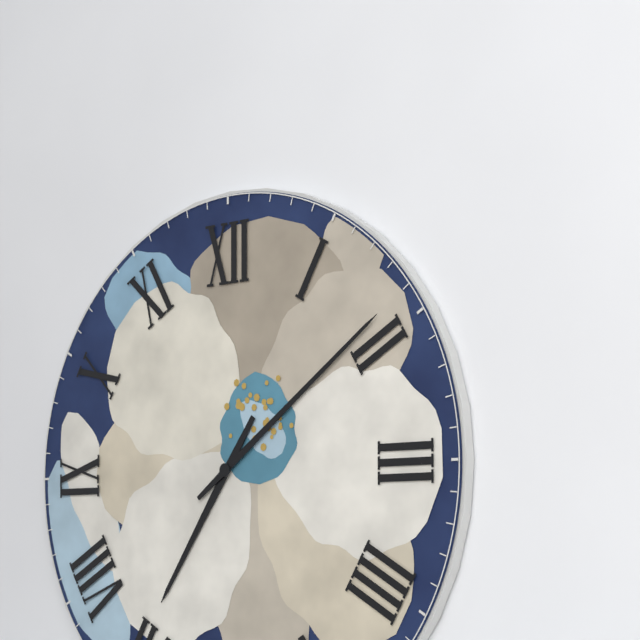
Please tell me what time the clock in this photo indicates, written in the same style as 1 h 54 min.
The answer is 7 h 09 min
